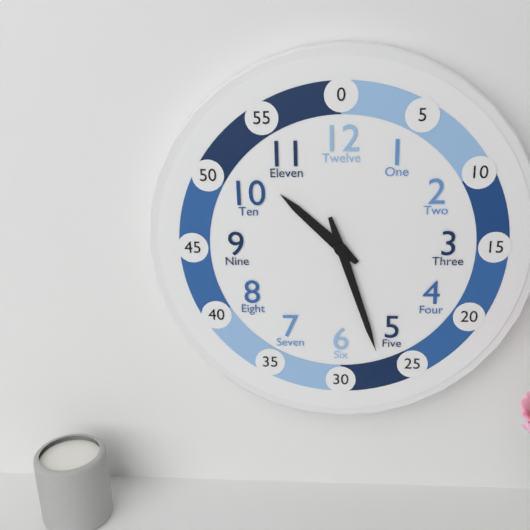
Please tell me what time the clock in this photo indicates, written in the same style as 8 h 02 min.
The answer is 10 h 27 min
